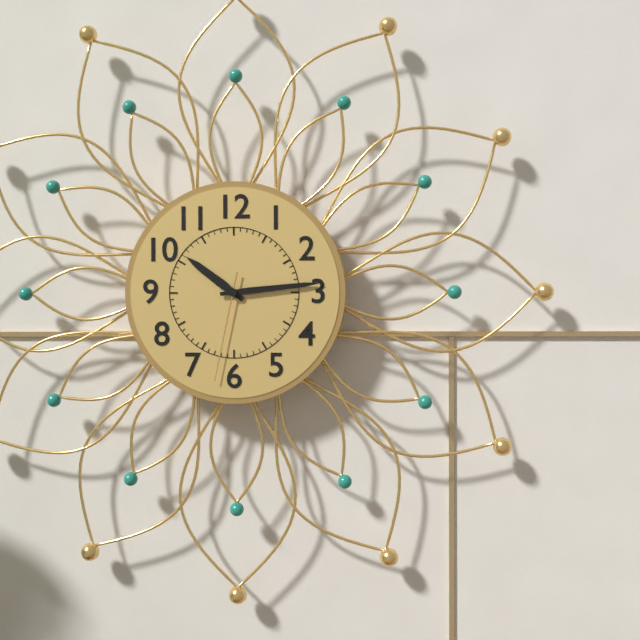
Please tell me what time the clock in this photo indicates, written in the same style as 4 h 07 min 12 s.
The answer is 10 h 14 min 32 s
